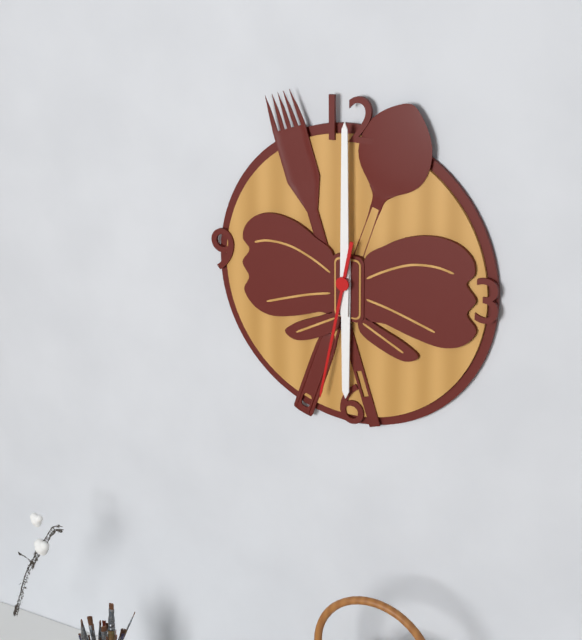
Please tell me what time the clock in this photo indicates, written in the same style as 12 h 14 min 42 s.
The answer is 6 h 00 min 32 s
